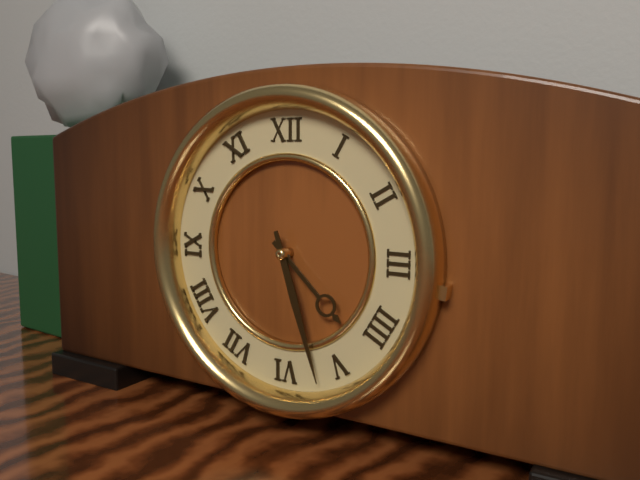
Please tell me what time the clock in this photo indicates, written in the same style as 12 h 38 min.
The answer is 4 h 27 min
